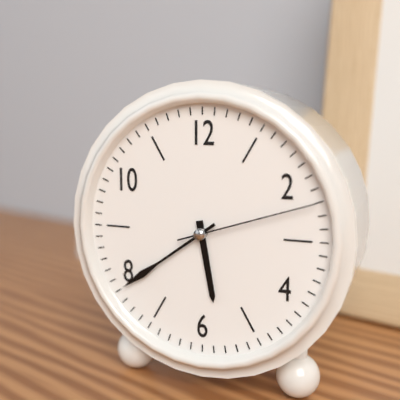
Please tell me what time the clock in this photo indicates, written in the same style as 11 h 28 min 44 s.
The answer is 5 h 39 min 12 s
